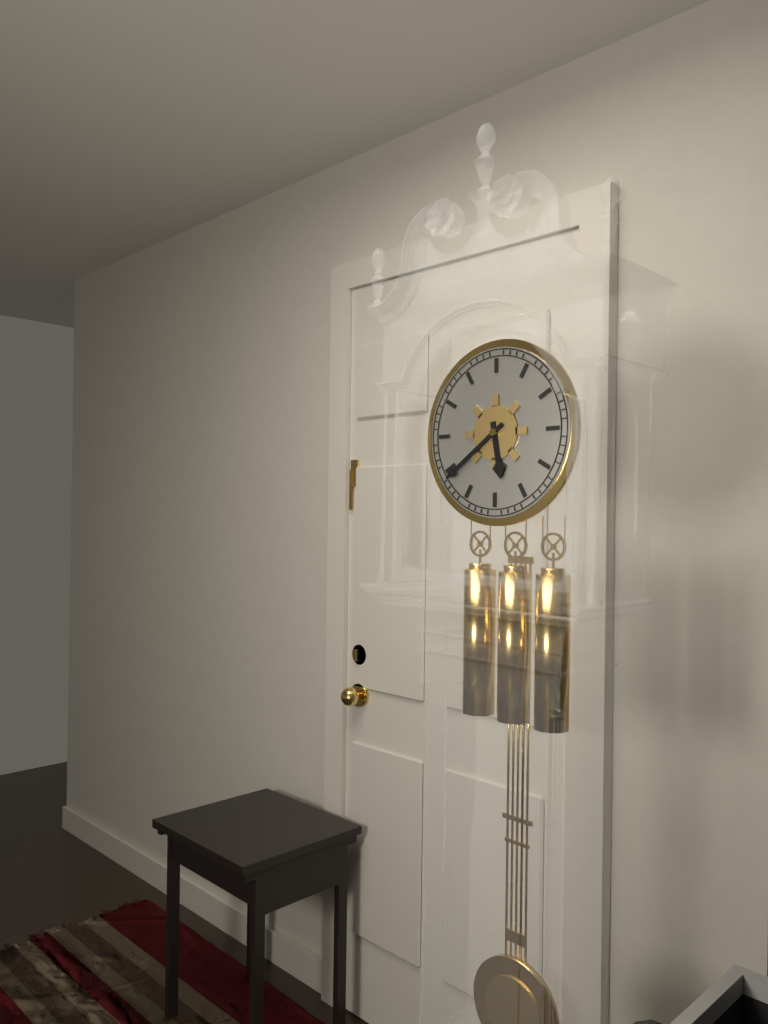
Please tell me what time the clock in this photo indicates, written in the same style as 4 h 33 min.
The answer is 5 h 39 min
